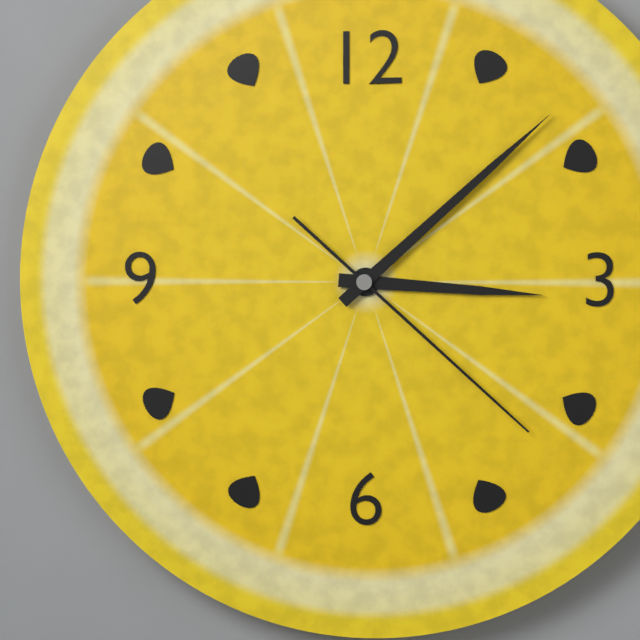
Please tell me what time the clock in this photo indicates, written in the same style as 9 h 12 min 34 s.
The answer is 3 h 08 min 22 s
